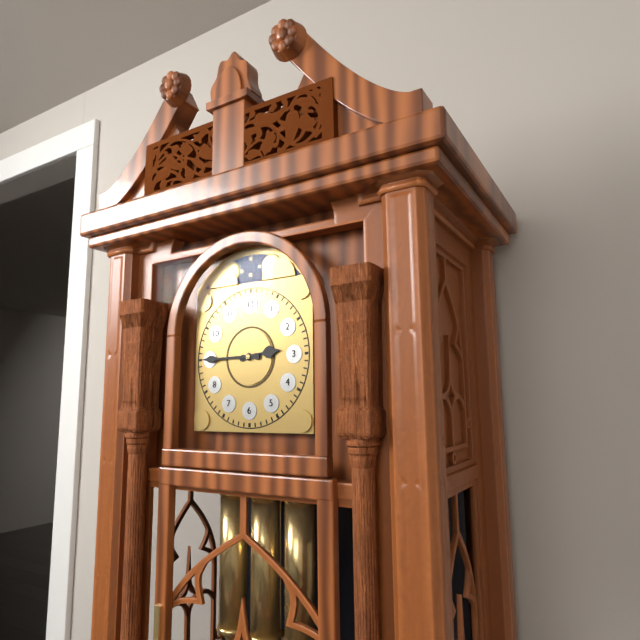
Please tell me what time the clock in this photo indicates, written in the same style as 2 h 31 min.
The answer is 2 h 45 min
